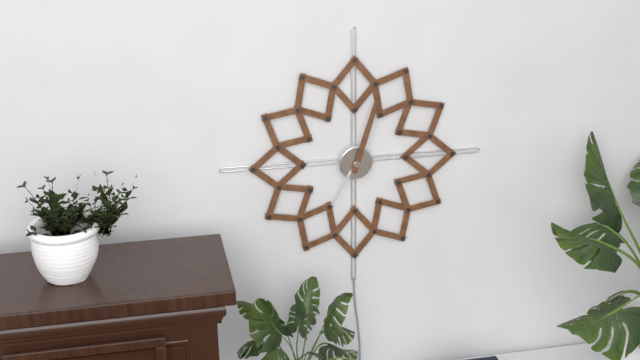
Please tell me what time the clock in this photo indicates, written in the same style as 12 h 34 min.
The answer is 7 h 03 min
